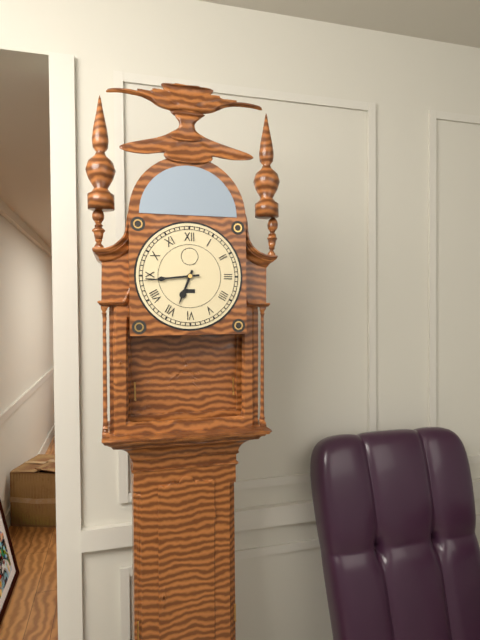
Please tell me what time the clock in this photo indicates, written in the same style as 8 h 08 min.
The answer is 6 h 44 min
